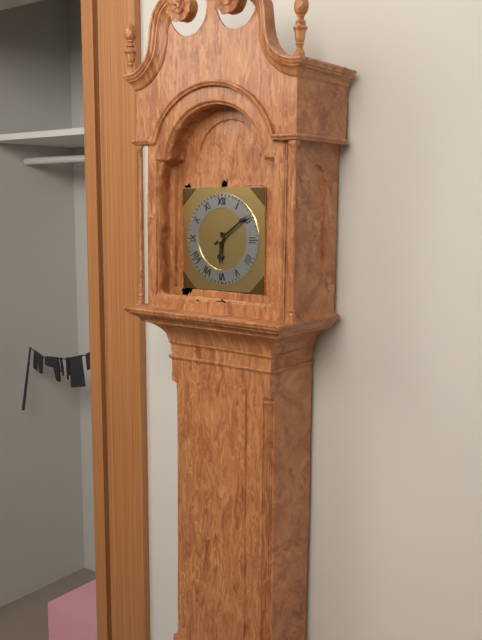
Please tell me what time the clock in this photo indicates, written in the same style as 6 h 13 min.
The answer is 6 h 09 min
